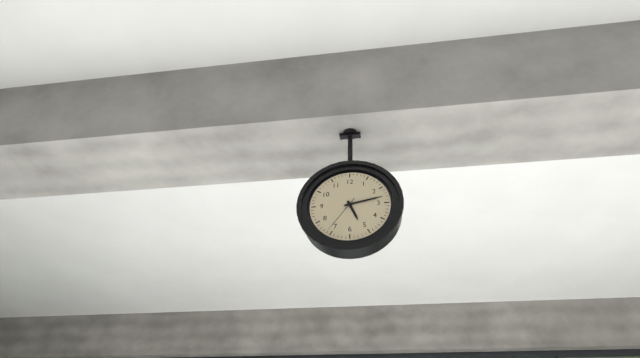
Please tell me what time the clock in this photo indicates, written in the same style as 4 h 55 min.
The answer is 5 h 13 min
